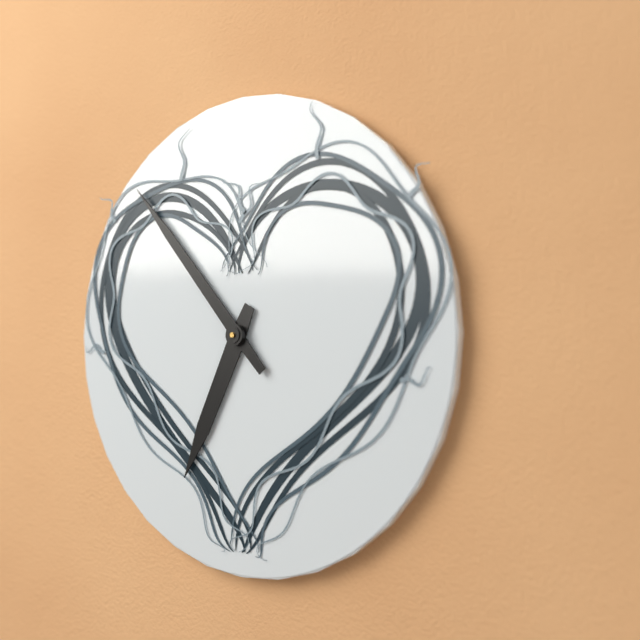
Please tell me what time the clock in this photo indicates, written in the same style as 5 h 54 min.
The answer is 6 h 53 min
